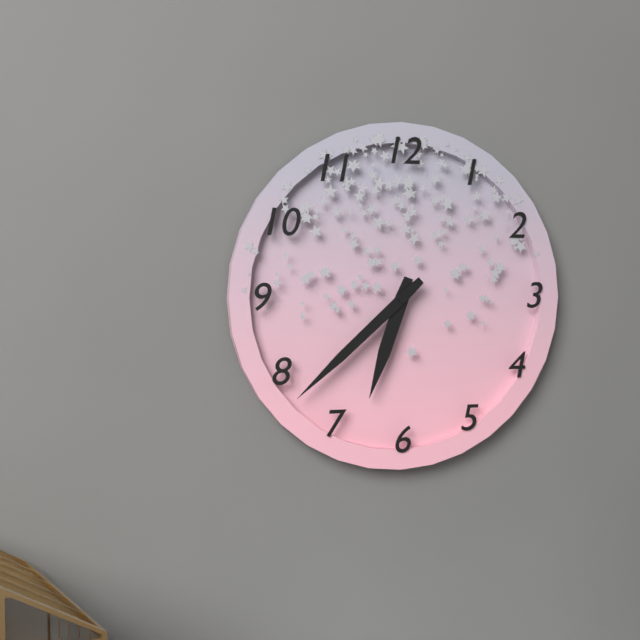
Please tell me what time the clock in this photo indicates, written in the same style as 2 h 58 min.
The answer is 6 h 38 min
